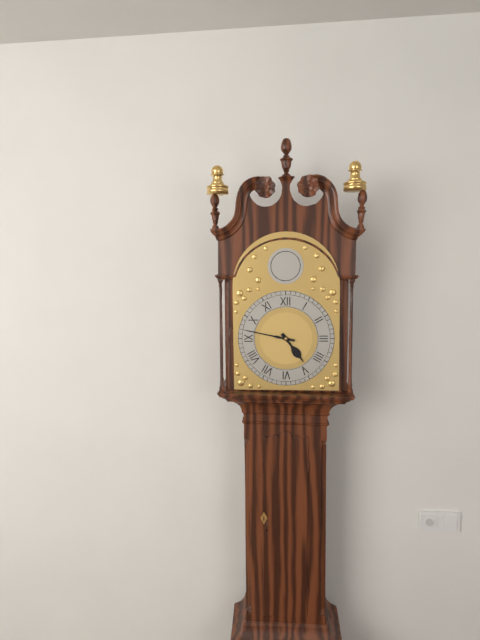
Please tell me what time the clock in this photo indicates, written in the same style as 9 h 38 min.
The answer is 4 h 47 min
